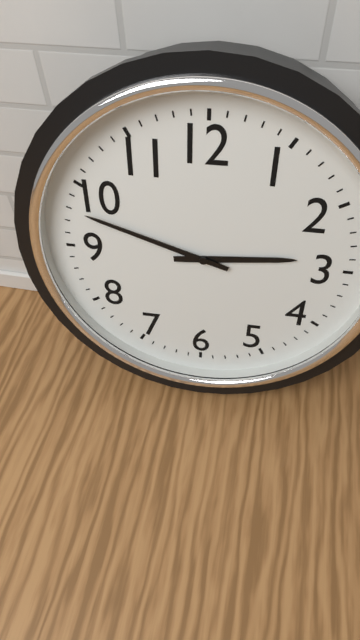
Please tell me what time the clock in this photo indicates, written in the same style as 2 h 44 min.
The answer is 2 h 48 min
